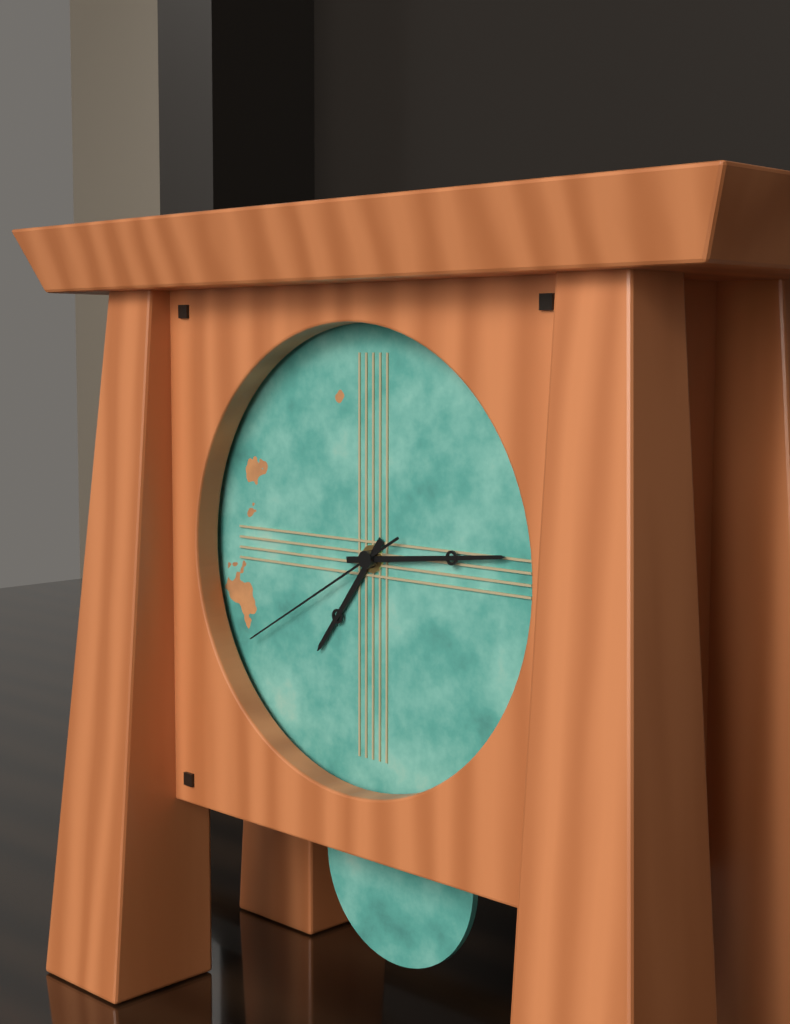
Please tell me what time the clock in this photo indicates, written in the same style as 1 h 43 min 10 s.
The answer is 7 h 14 min 40 s
